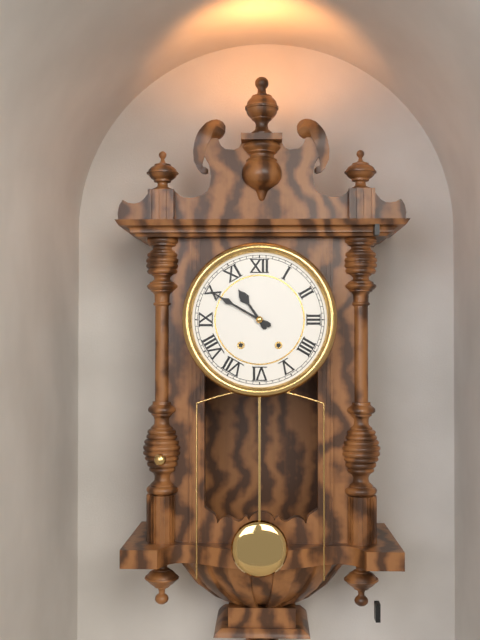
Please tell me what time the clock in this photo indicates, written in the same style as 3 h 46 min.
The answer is 10 h 50 min
